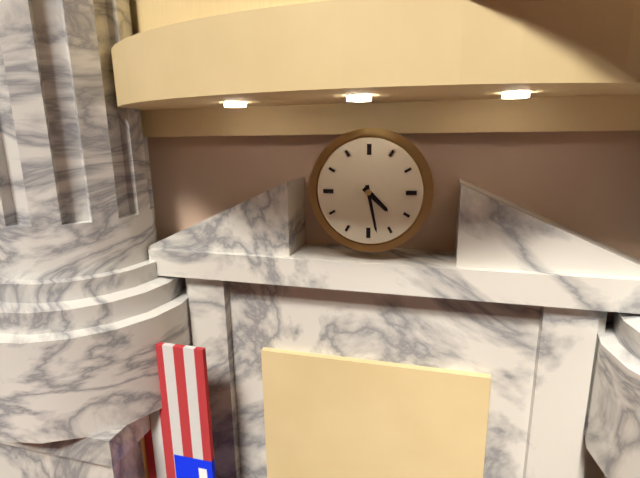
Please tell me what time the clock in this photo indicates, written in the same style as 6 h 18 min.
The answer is 4 h 28 min
